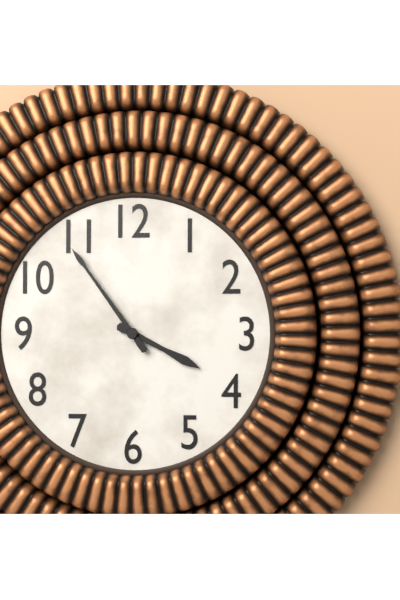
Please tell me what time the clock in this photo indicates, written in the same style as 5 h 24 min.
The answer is 3 h 54 min
